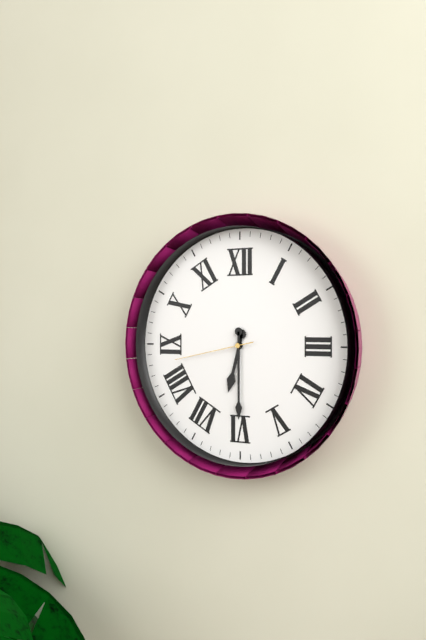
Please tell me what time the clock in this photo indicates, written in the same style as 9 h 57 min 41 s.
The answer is 6 h 30 min 43 s
